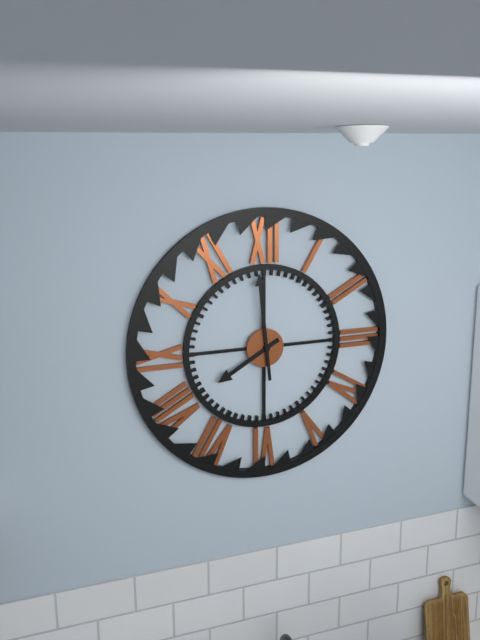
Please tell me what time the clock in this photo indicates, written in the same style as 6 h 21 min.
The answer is 7 h 59 min
